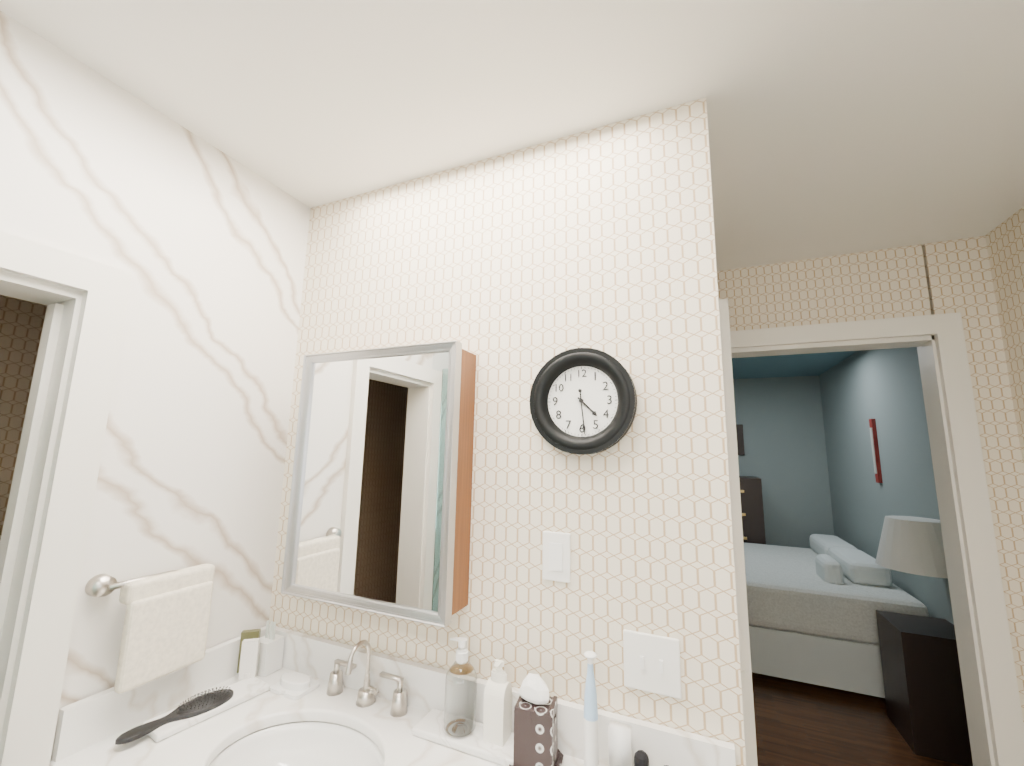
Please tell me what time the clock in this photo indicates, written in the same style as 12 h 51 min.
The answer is 4 h 29 min
